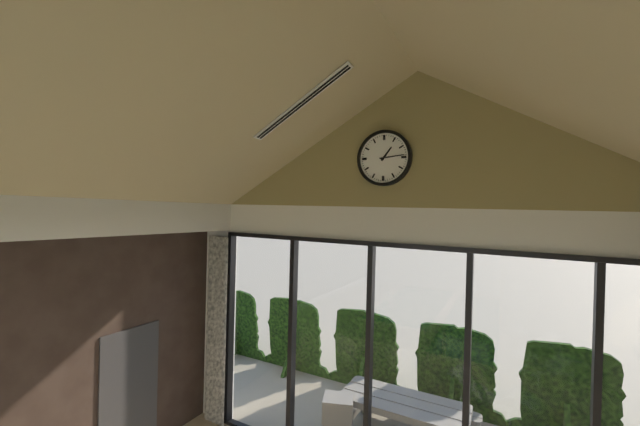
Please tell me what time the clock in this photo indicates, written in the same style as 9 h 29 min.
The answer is 1 h 14 min
